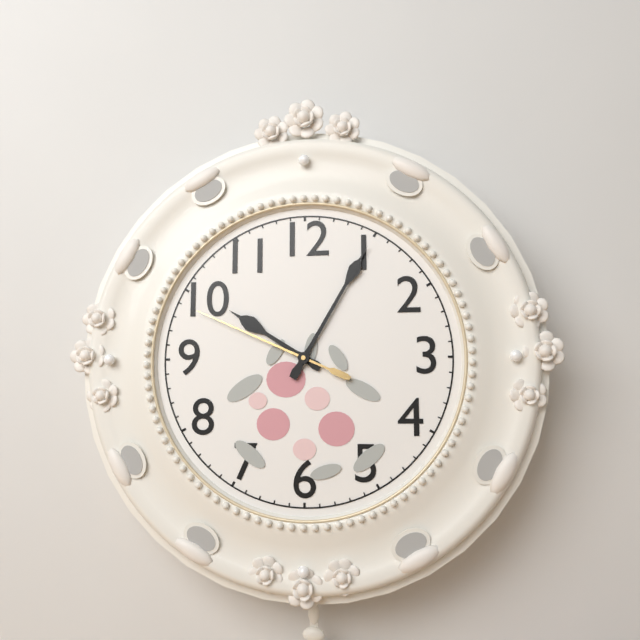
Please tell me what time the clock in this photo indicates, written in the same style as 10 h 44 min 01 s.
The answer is 10 h 05 min 49 s
